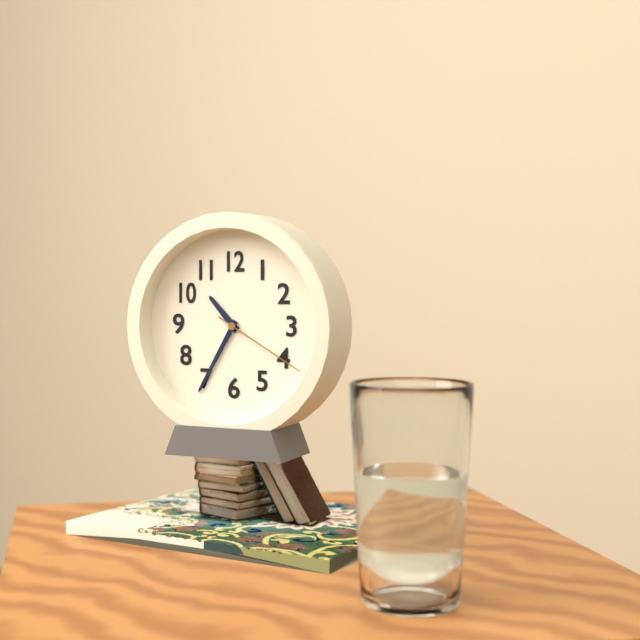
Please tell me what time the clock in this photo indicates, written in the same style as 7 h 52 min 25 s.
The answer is 10 h 35 min 20 s
